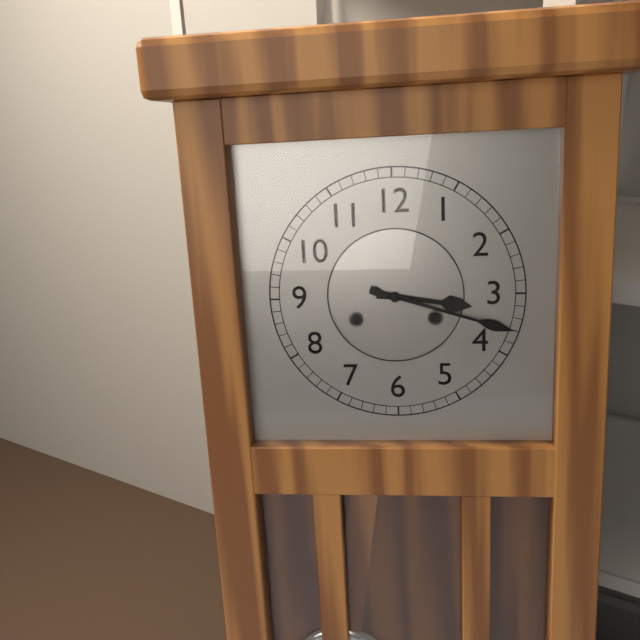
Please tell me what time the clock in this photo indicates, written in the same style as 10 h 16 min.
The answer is 3 h 18 min
